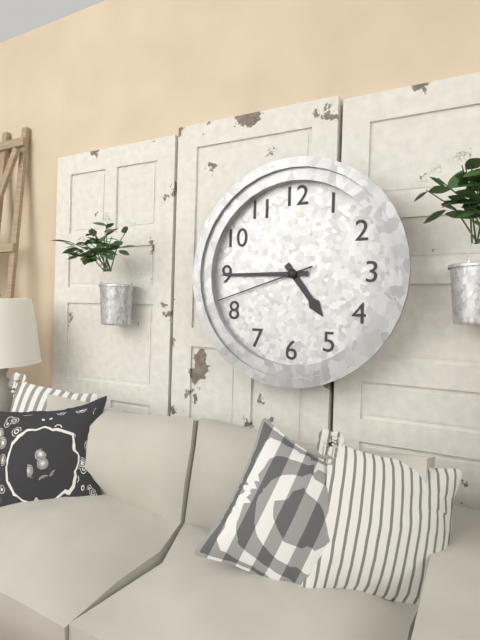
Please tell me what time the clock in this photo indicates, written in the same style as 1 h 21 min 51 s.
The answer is 4 h 45 min 42 s
